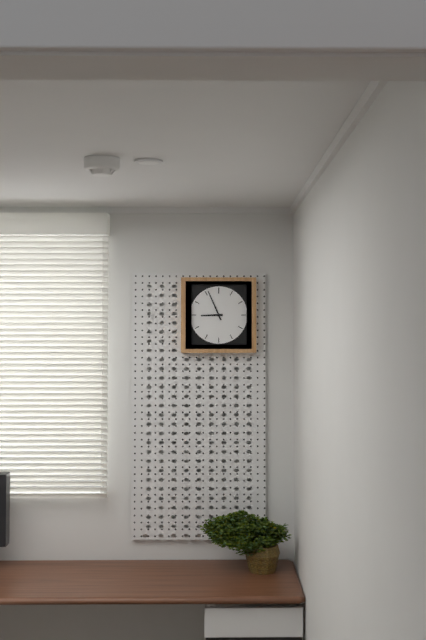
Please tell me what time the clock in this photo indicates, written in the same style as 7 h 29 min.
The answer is 8 h 56 min
